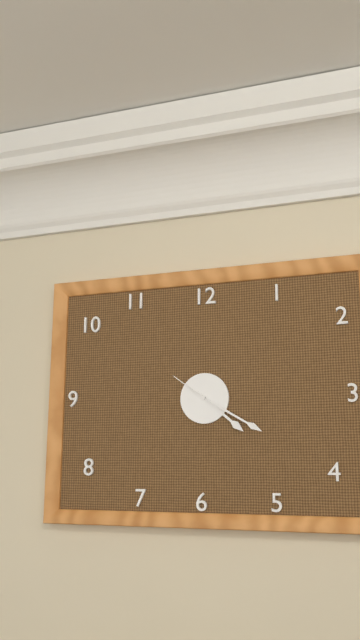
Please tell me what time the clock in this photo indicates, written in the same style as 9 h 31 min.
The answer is 4 h 20 min
